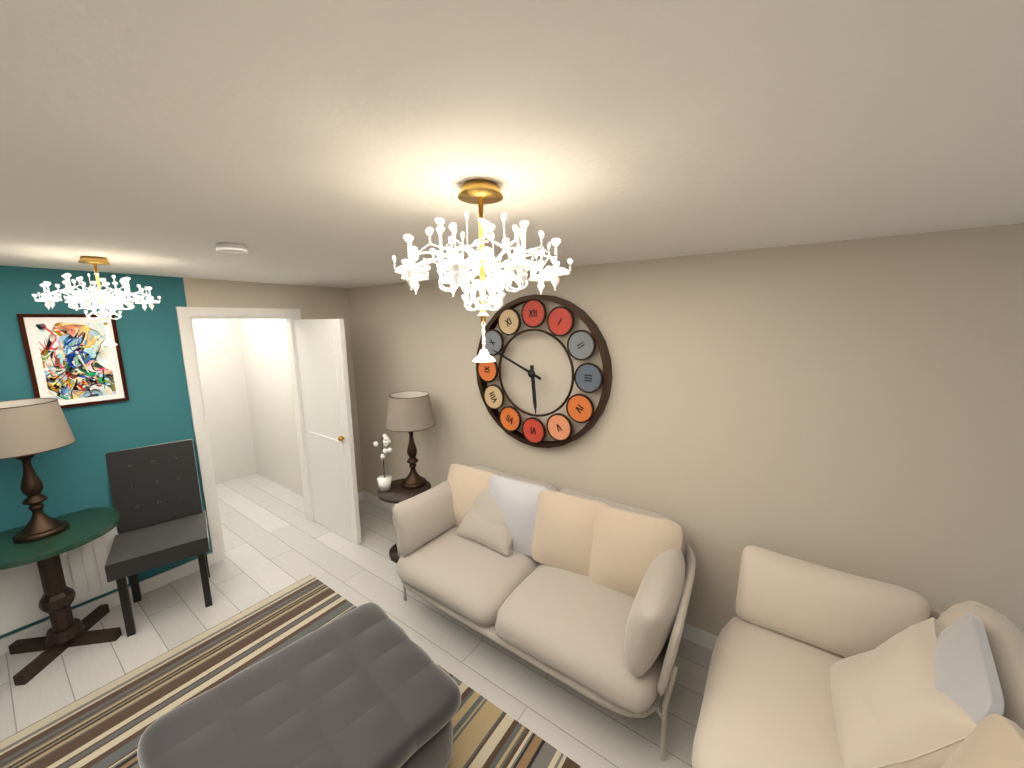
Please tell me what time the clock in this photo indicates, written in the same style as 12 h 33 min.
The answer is 5 h 49 min
